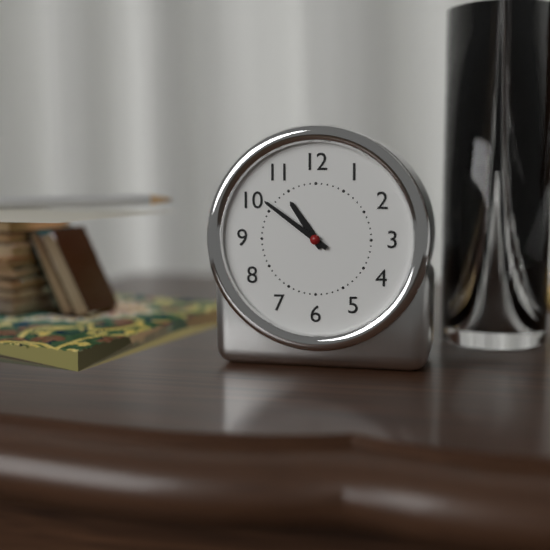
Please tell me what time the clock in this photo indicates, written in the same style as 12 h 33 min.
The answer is 10 h 51 min
